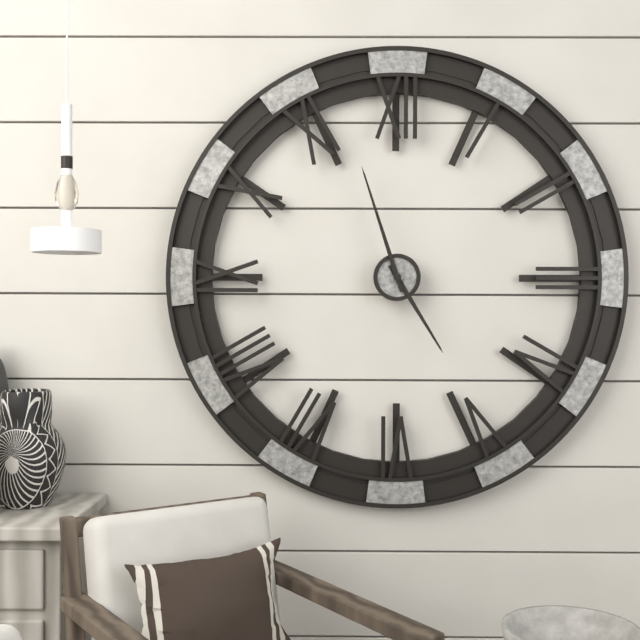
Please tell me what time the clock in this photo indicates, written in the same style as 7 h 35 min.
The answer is 4 h 57 min
